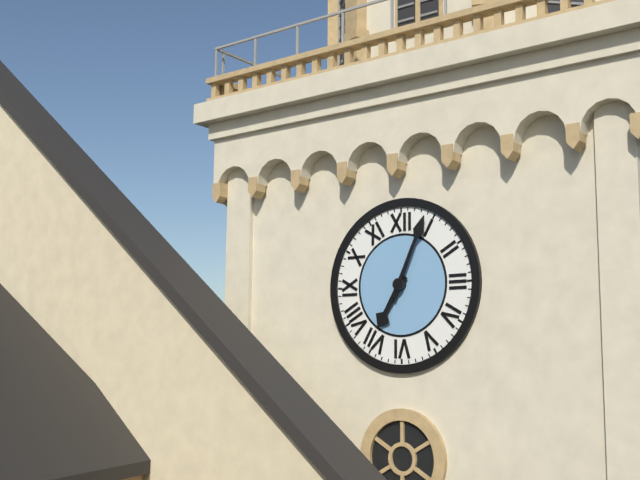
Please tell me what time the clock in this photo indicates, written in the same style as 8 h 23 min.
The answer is 7 h 04 min
